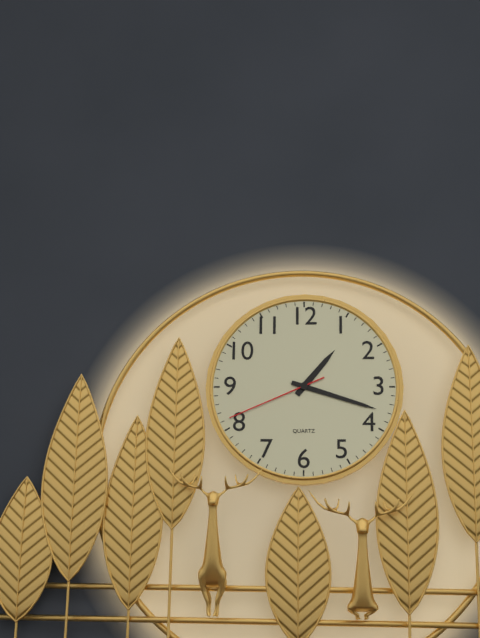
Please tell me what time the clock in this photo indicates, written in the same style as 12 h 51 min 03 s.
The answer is 1 h 18 min 41 s
